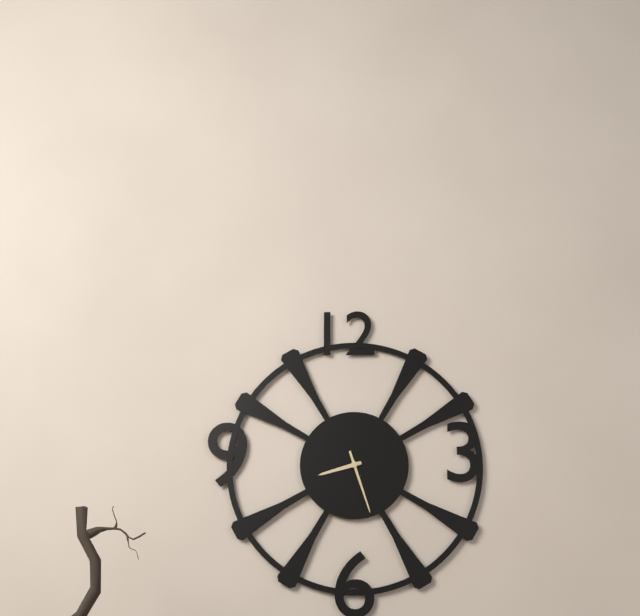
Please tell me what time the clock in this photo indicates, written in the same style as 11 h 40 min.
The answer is 8 h 27 min
